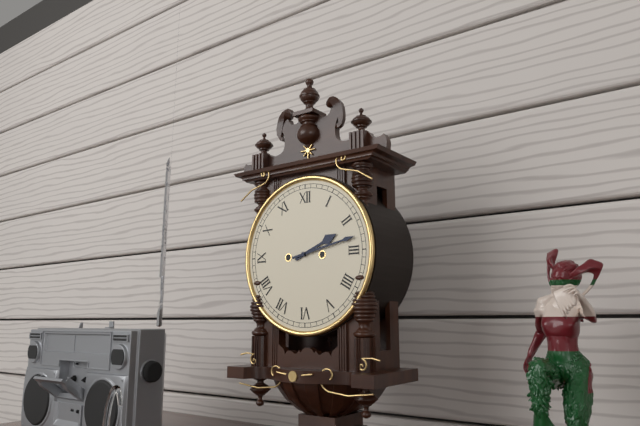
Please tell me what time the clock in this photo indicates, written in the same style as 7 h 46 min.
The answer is 2 h 13 min
